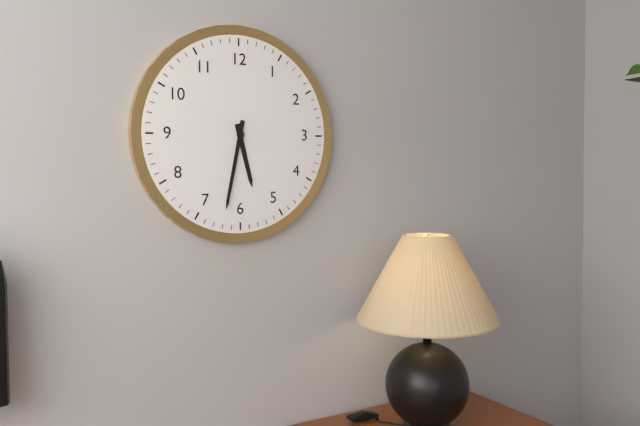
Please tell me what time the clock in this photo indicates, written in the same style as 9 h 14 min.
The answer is 5 h 32 min
